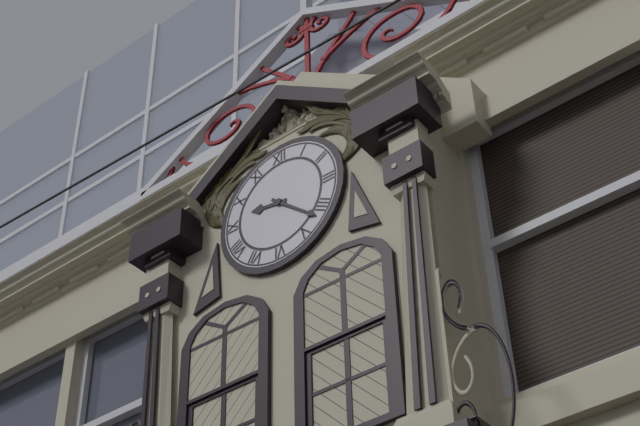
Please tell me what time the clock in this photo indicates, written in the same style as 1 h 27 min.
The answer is 9 h 22 min
